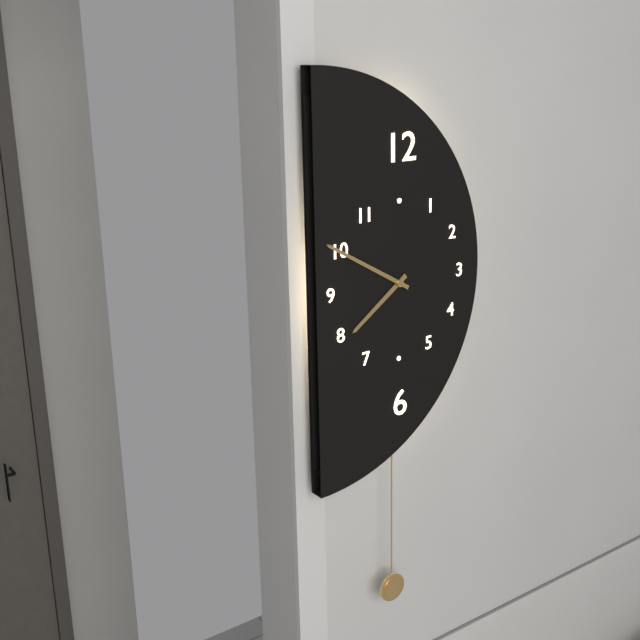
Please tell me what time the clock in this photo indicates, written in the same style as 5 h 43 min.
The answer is 7 h 50 min
